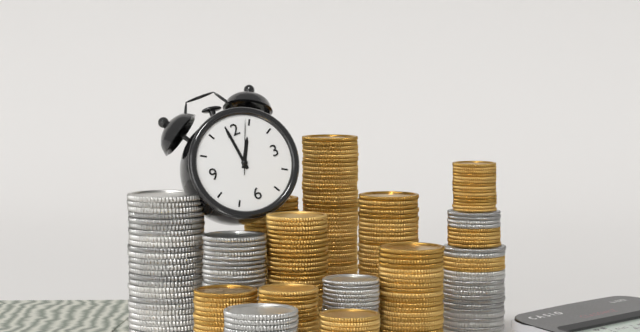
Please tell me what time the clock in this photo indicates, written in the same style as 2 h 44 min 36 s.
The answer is 12 h 59 min 04 s
